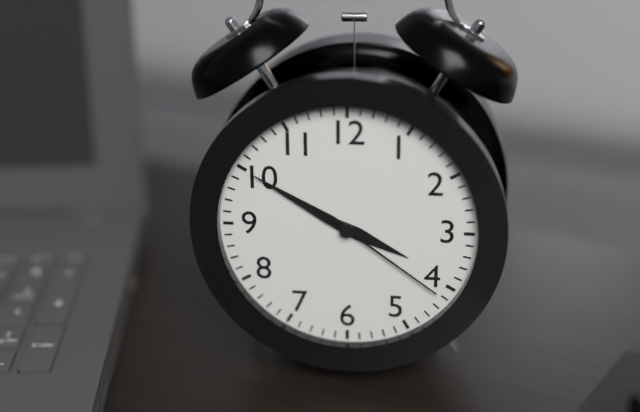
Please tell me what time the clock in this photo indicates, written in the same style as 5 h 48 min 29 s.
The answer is 3 h 50 min 21 s
